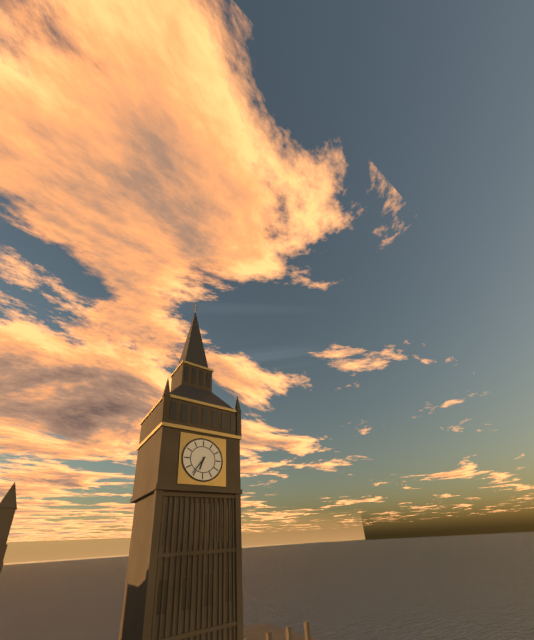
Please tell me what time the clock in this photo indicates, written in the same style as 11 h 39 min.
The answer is 6 h 36 min
